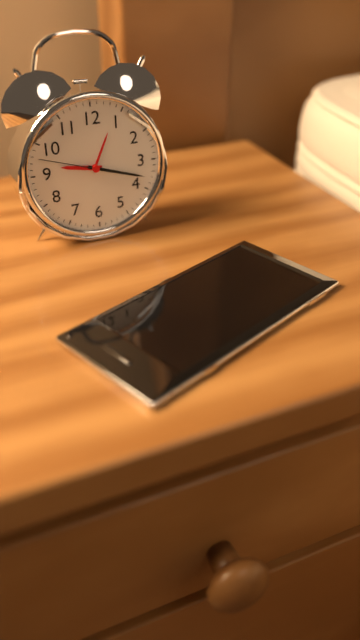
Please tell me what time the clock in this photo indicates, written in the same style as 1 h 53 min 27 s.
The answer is 9 h 18 min 48 s
